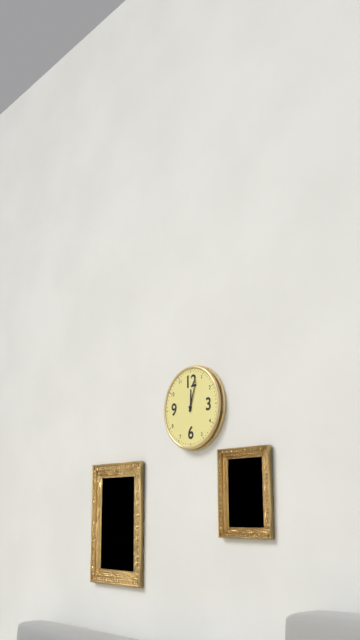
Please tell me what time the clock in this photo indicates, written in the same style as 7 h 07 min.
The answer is 12 h 03 min
